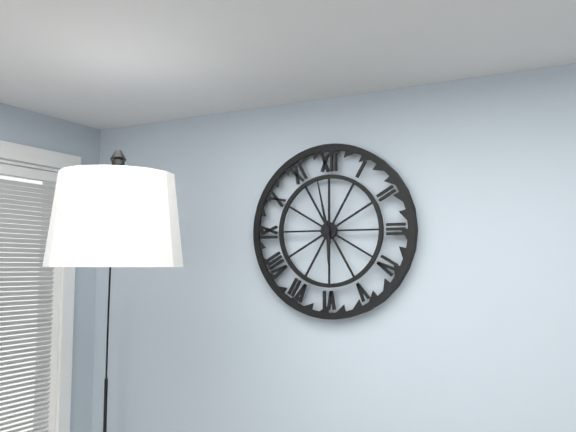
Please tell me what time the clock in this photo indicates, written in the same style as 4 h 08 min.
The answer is 5 h 58 min
